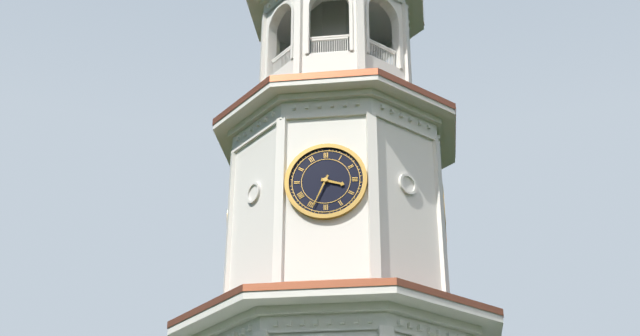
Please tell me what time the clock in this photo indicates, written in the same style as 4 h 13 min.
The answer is 3 h 34 min
